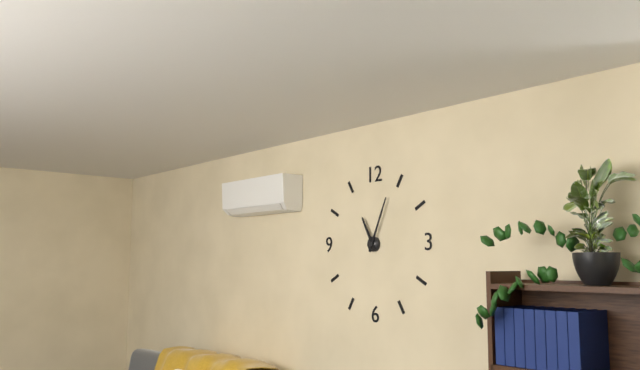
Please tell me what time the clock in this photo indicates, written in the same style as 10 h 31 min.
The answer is 11 h 04 min
